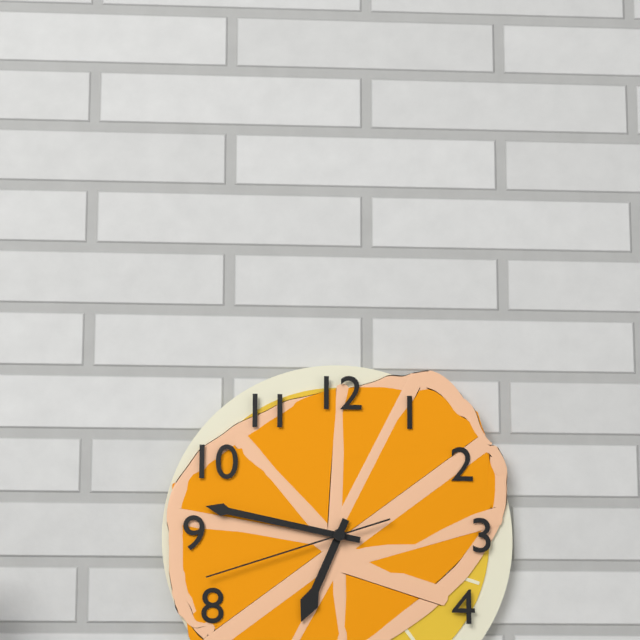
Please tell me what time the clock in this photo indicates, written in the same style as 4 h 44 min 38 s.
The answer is 6 h 47 min 42 s
